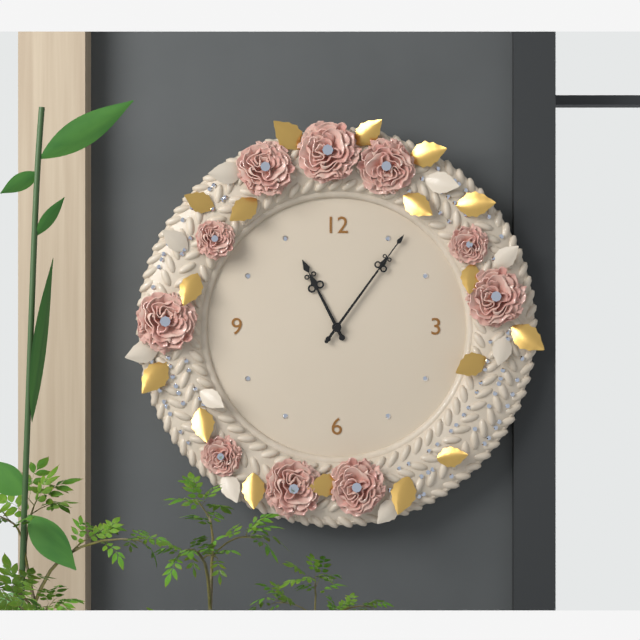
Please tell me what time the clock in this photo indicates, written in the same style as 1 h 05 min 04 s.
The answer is 11 h 06 min 06 s
